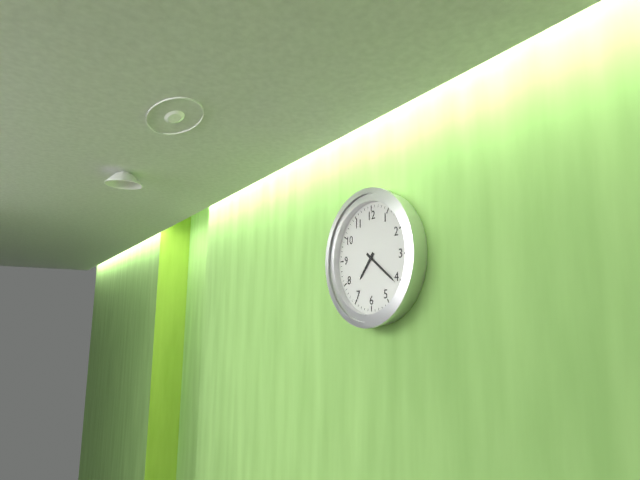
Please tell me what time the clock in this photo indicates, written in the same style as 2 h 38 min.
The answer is 7 h 21 min
